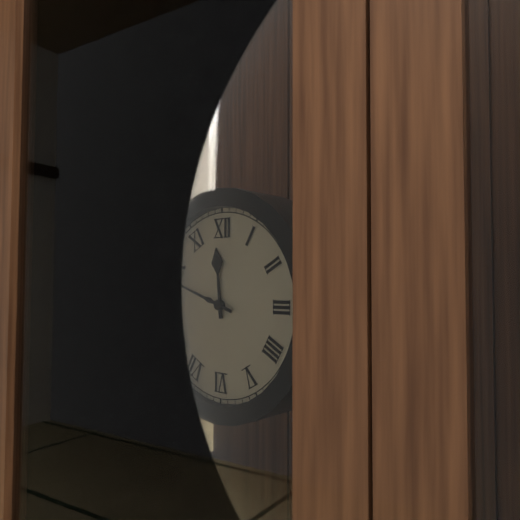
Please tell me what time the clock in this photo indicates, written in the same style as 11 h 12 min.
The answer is 11 h 48 min
